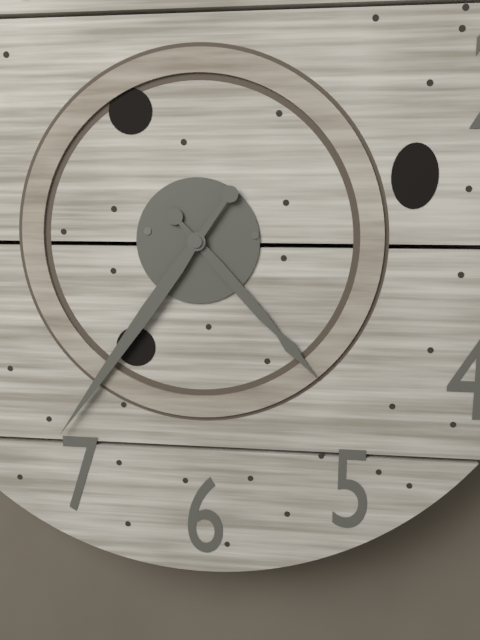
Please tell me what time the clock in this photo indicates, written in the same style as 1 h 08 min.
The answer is 4 h 36 min
